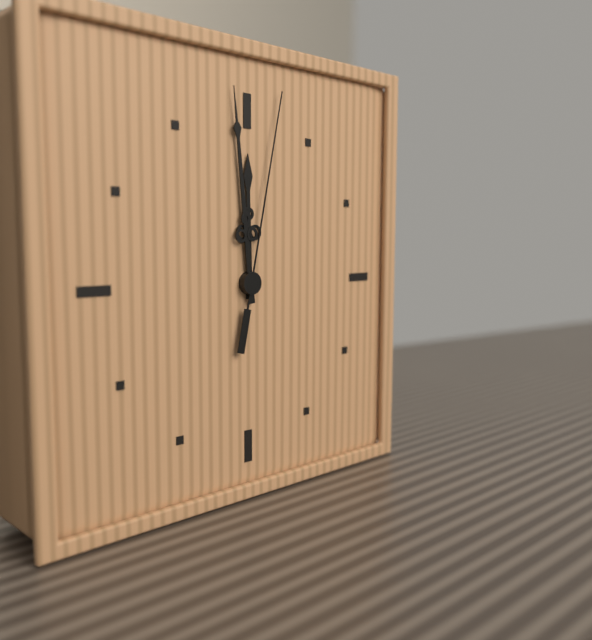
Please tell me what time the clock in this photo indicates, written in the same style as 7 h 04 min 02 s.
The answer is 11 h 59 min 02 s
